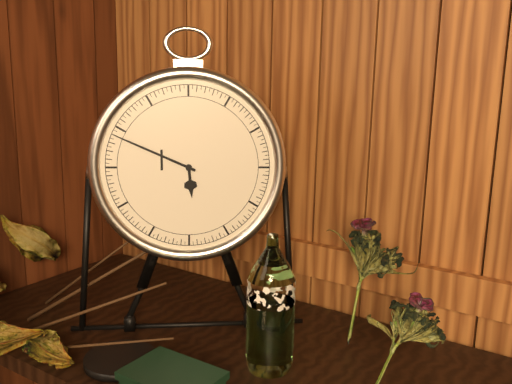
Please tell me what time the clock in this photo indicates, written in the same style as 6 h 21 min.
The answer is 5 h 49 min
